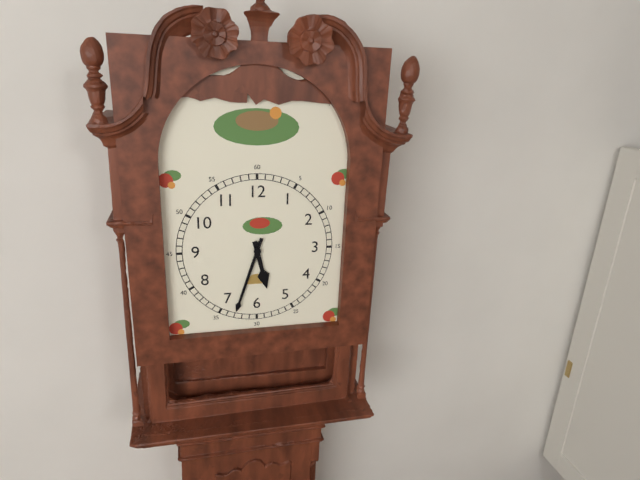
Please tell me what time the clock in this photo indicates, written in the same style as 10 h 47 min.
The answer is 5 h 33 min
